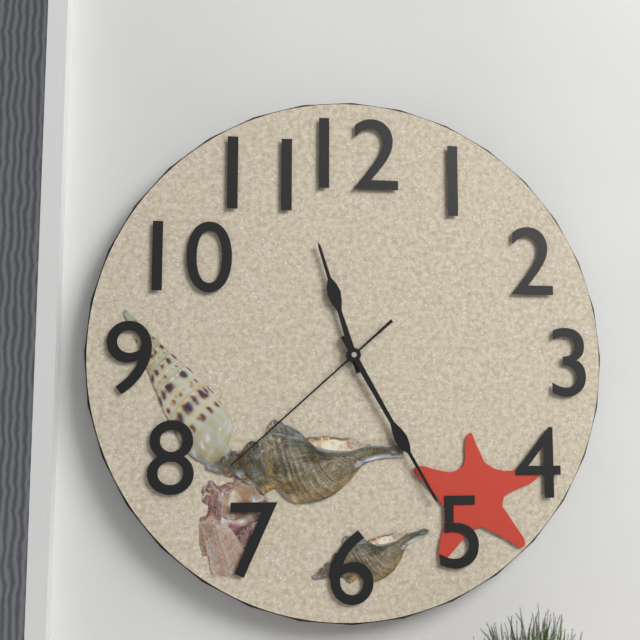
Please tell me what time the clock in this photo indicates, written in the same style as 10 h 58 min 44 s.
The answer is 11 h 25 min 38 s
